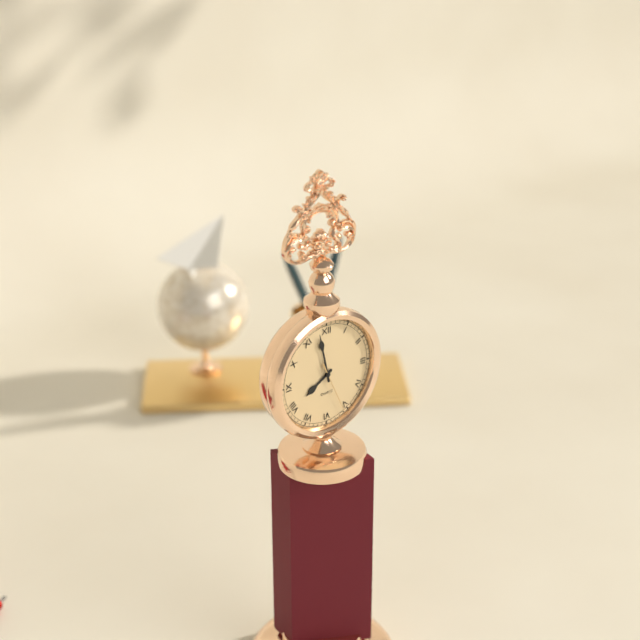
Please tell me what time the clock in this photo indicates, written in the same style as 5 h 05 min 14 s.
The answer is 7 h 58 min 26 s
